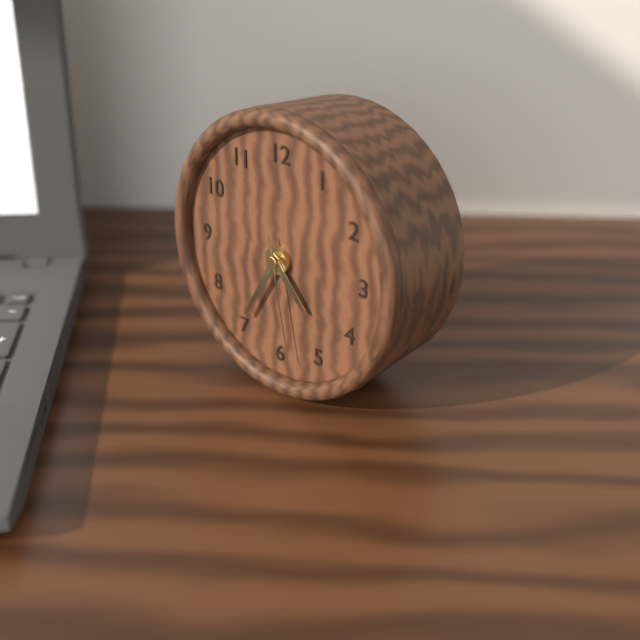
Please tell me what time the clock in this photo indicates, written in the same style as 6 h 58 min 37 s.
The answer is 4 h 35 min 28 s
